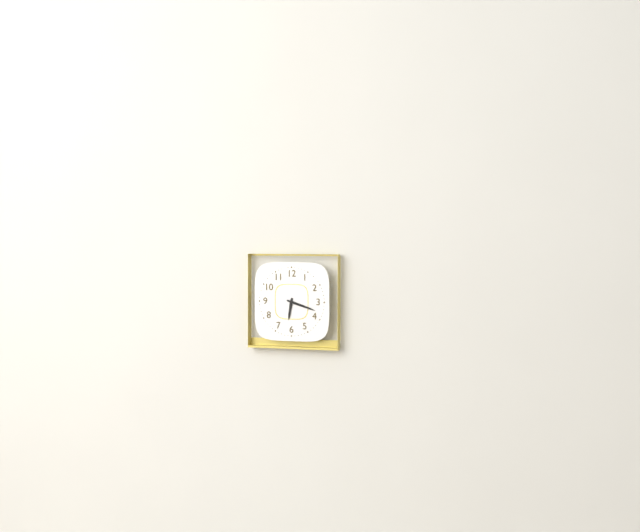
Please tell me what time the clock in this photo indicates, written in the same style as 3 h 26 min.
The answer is 6 h 18 min
